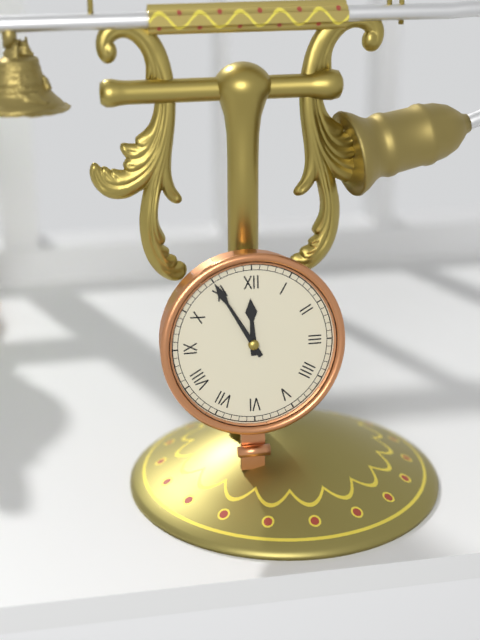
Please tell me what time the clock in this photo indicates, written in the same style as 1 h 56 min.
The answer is 11 h 55 min
